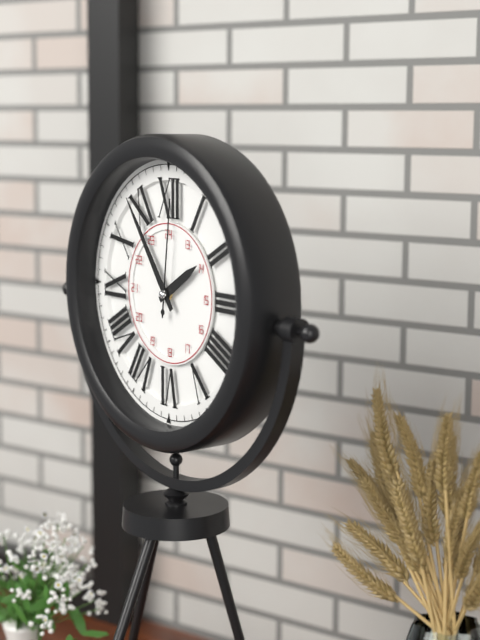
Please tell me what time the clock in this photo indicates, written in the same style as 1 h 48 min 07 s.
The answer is 1 h 54 min 01 s
